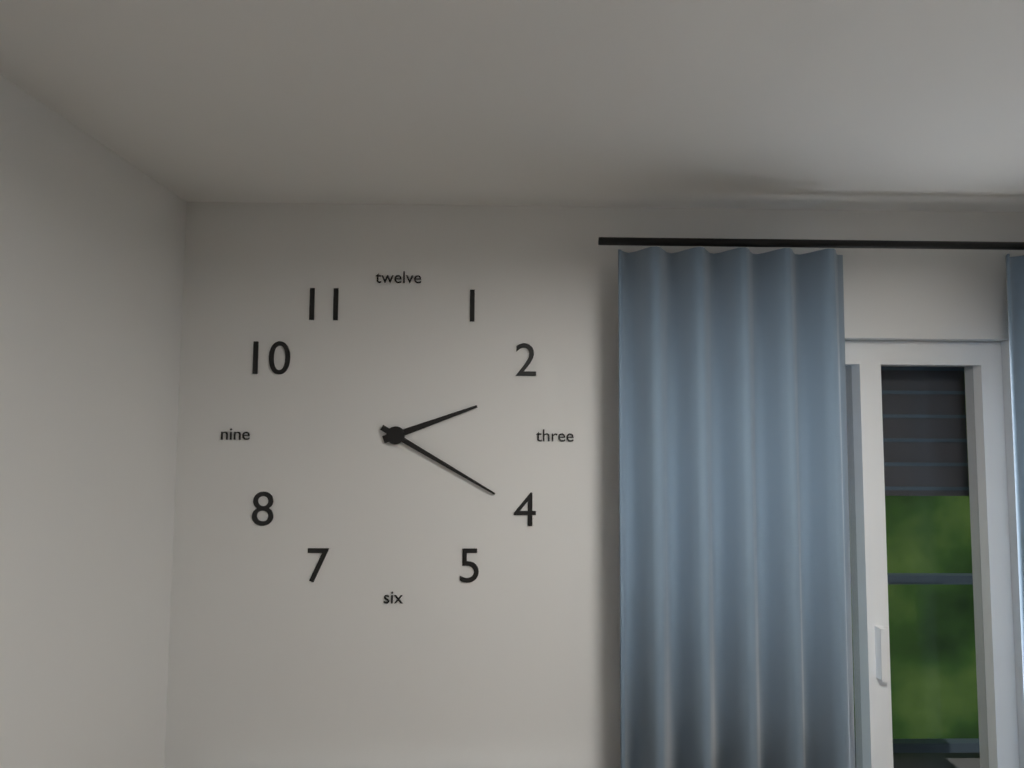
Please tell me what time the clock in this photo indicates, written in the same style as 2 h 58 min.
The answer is 2 h 20 min
